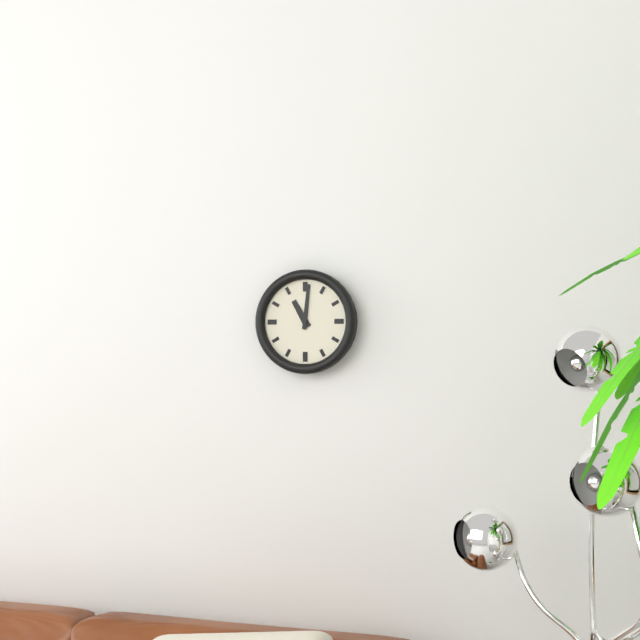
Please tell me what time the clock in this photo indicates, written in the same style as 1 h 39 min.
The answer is 11 h 01 min
